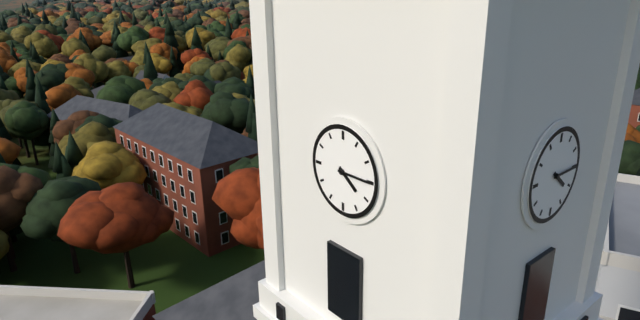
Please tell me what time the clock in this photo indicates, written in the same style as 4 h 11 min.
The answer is 4 h 15 min
